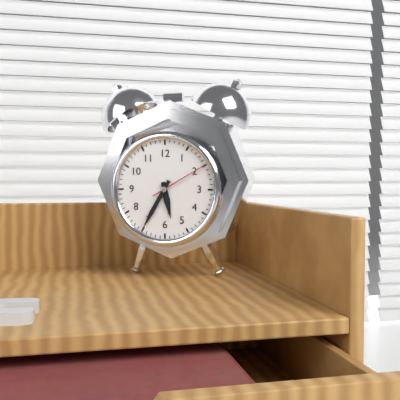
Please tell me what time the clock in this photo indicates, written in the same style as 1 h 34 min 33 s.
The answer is 5 h 35 min 10 s
